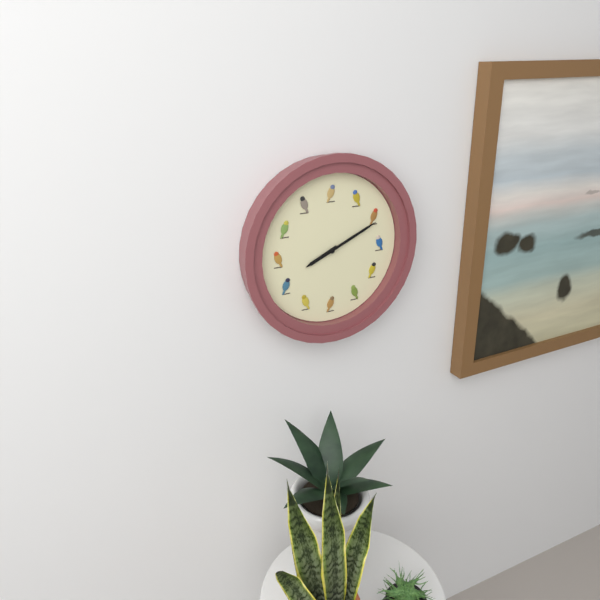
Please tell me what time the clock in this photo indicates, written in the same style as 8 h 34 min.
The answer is 8 h 11 min
